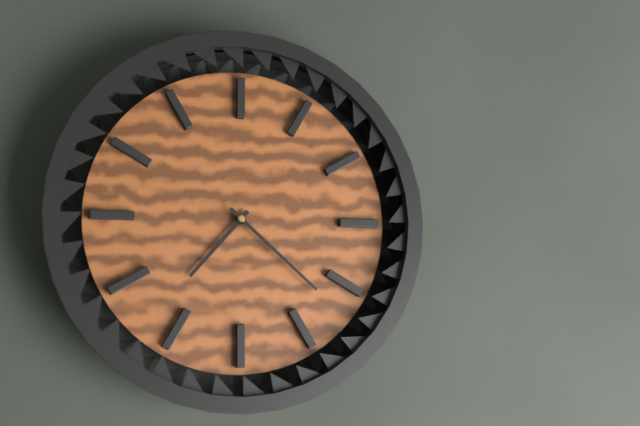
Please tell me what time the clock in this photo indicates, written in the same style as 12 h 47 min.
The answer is 7 h 22 min
